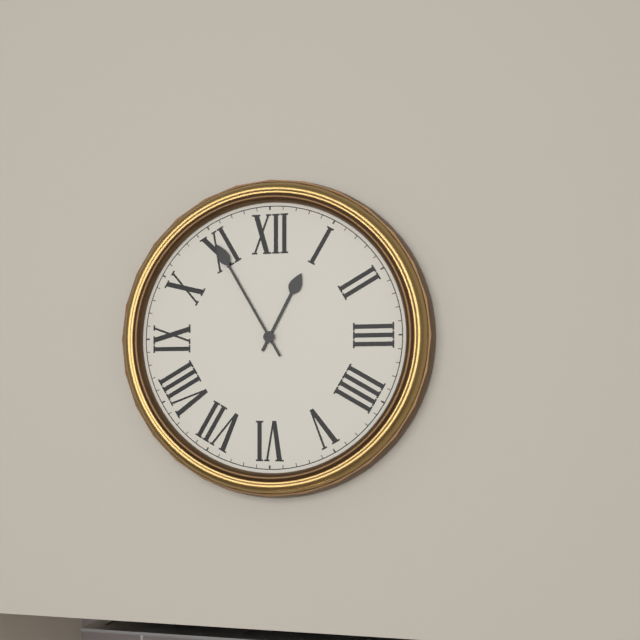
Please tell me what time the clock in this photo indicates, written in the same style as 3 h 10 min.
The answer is 12 h 55 min
